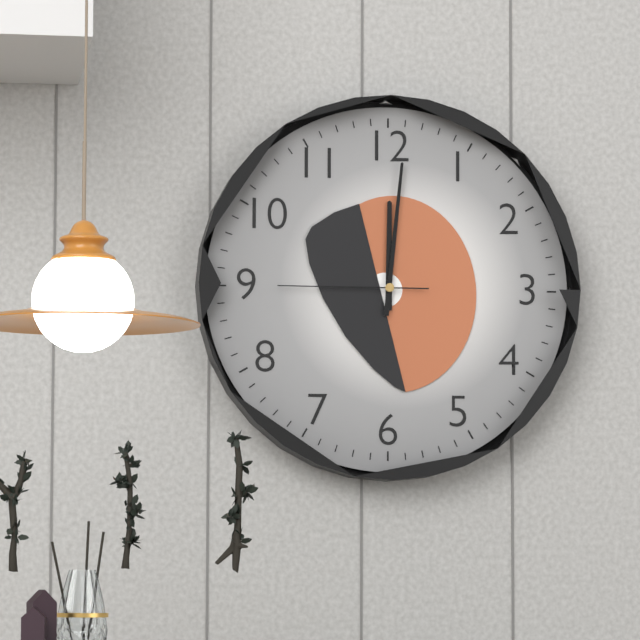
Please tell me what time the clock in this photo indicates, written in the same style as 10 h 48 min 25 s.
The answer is 12 h 01 min 45 s
